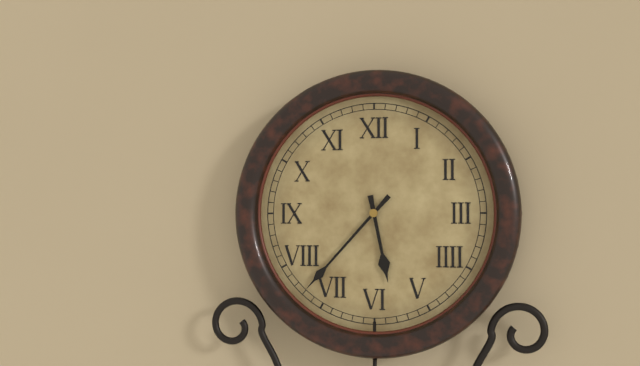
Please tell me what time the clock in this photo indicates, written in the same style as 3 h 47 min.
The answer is 5 h 37 min
